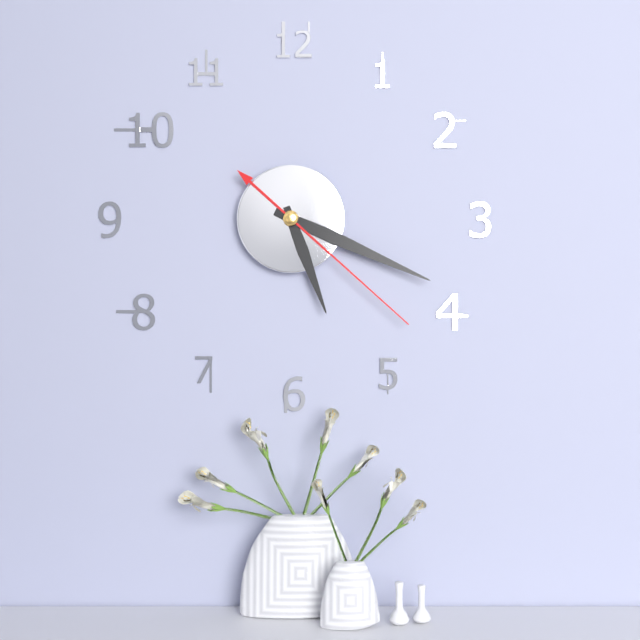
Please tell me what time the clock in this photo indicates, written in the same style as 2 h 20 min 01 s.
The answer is 5 h 19 min 22 s
